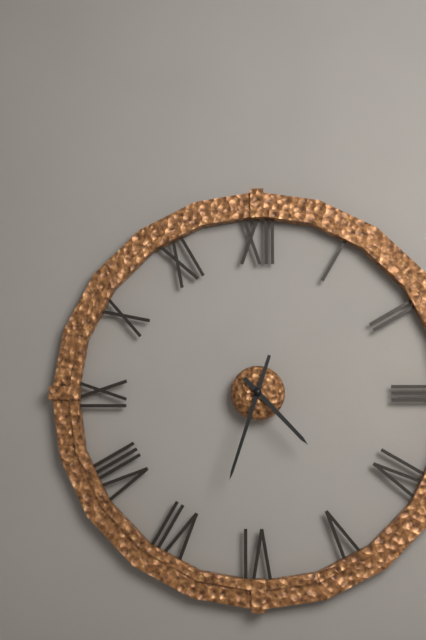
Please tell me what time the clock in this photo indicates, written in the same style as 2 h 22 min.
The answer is 4 h 33 min
